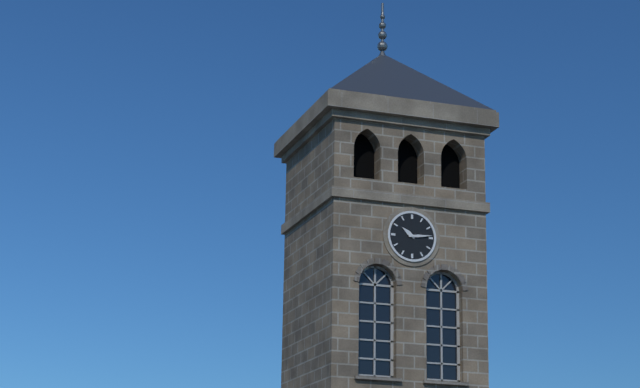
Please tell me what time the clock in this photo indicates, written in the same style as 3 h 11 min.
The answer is 10 h 14 min
